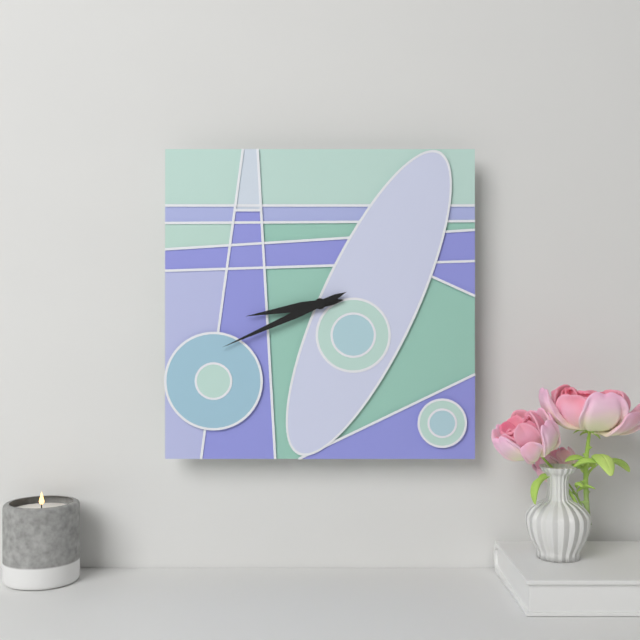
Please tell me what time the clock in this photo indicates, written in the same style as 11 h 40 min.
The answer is 8 h 41 min
